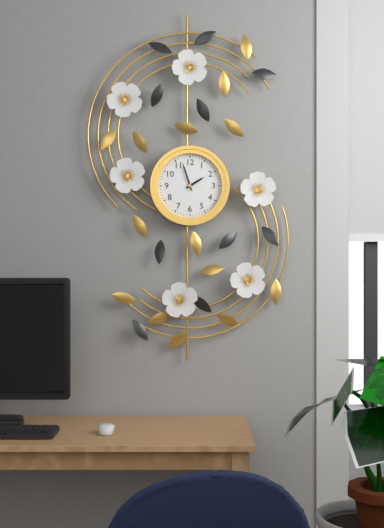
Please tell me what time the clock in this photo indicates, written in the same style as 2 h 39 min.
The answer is 1 h 57 min
